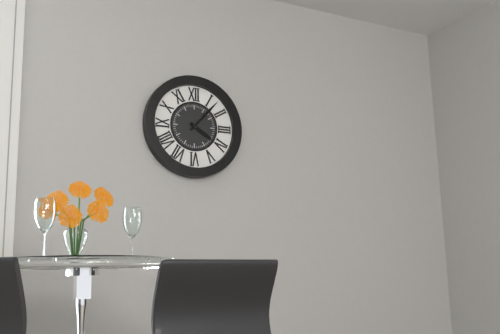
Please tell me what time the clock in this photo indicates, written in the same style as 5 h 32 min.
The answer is 4 h 07 min
